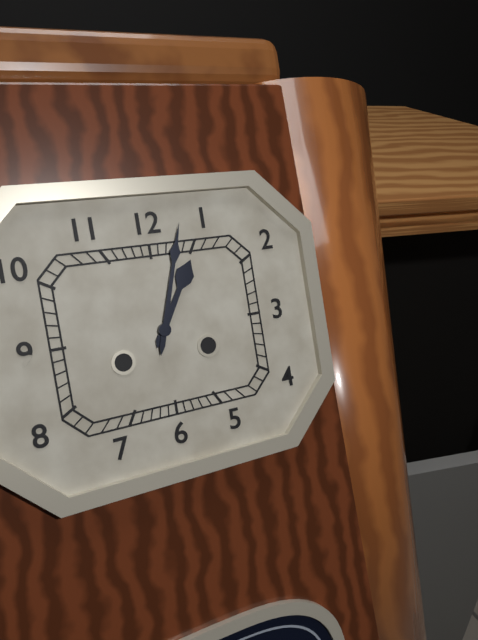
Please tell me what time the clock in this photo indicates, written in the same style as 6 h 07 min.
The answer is 1 h 03 min
